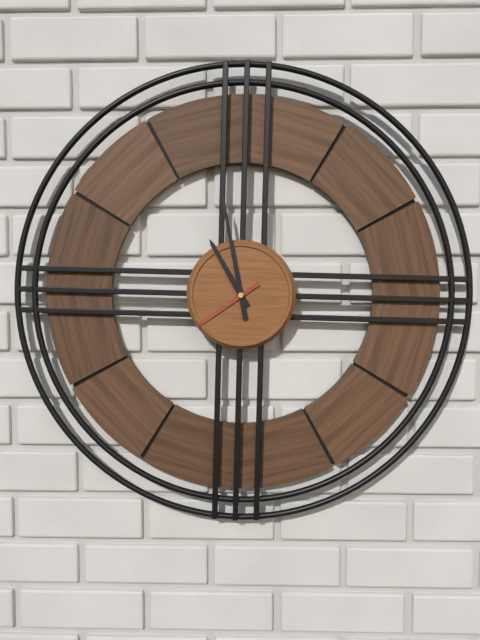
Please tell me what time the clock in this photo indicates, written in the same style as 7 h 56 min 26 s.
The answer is 10 h 58 min 39 s
